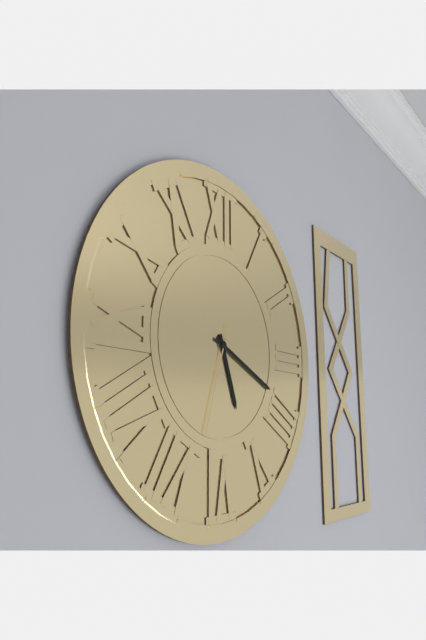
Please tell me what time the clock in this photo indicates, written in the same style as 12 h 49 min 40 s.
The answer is 5 h 19 min 33 s
